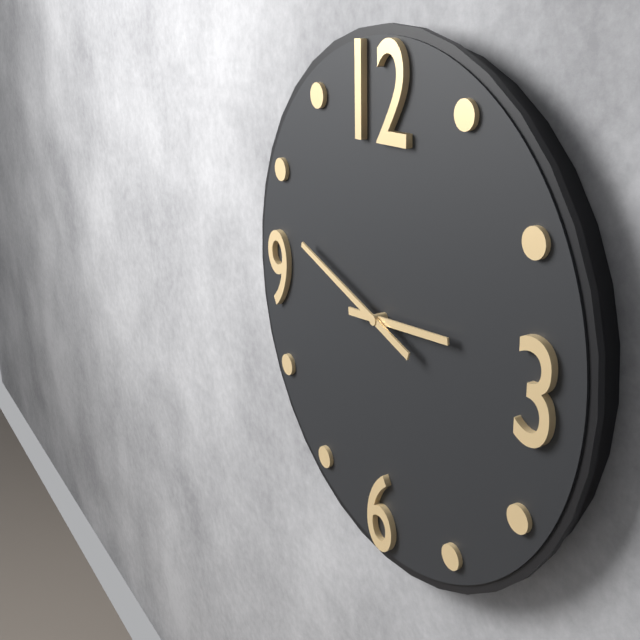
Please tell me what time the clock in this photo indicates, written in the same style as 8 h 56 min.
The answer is 2 h 48 min
